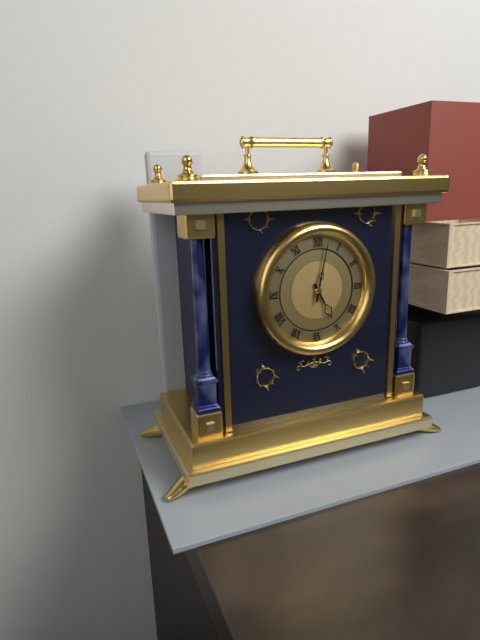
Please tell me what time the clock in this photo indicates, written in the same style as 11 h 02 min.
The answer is 5 h 02 min
